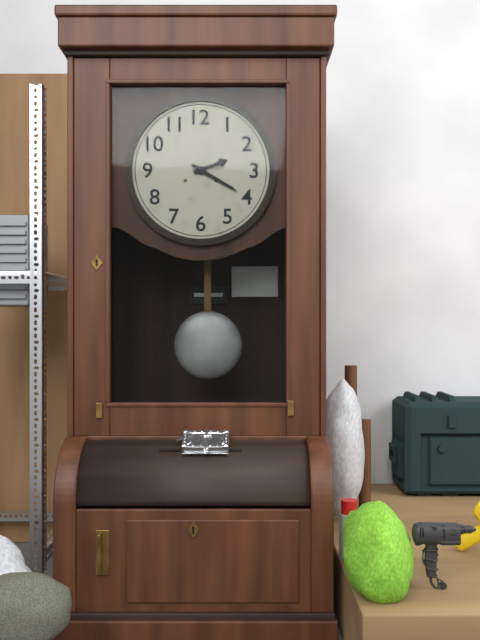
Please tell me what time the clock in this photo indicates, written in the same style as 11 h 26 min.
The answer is 2 h 20 min
